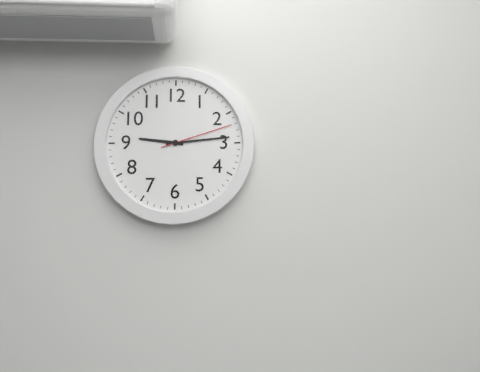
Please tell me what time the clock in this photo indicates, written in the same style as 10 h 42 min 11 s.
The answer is 9 h 14 min 12 s
